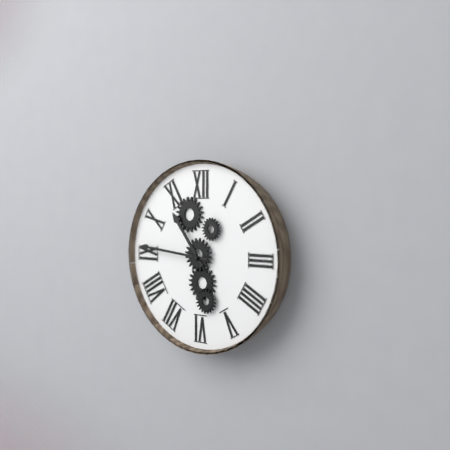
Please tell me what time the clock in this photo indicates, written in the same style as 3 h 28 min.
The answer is 10 h 46 min
